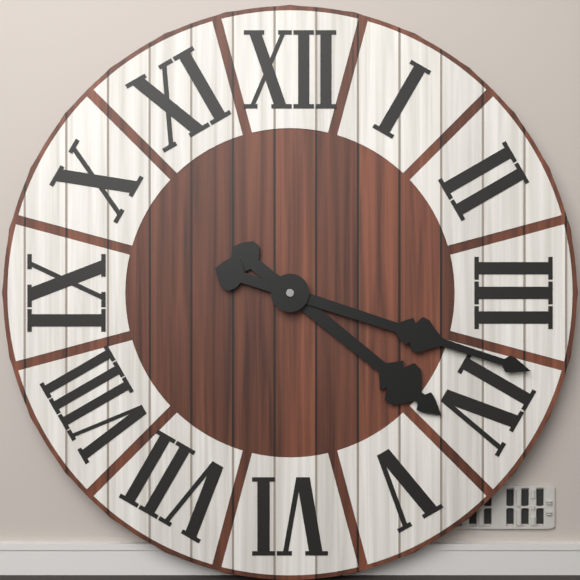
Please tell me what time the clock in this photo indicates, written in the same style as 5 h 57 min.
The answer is 4 h 18 min
